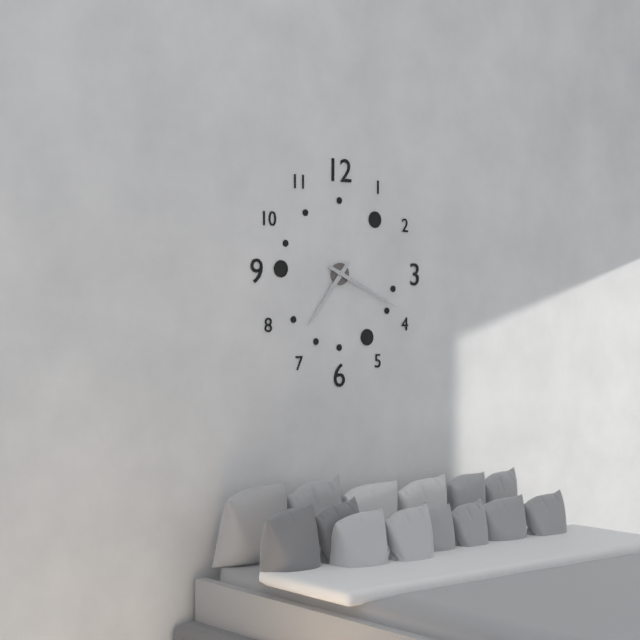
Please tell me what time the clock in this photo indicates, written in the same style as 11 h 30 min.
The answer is 7 h 19 min
